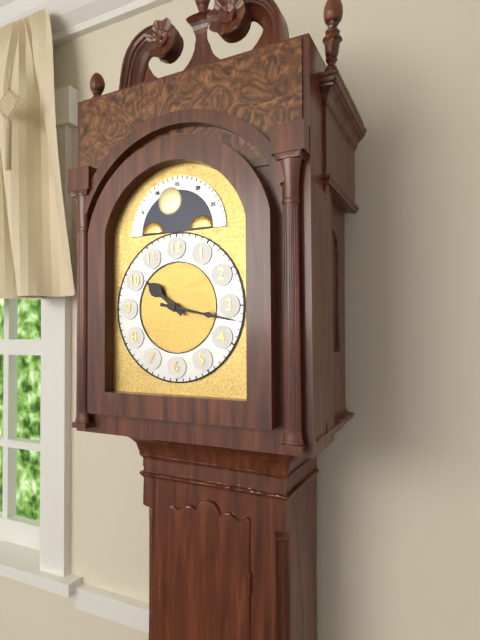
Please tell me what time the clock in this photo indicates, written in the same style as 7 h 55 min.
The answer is 10 h 17 min
